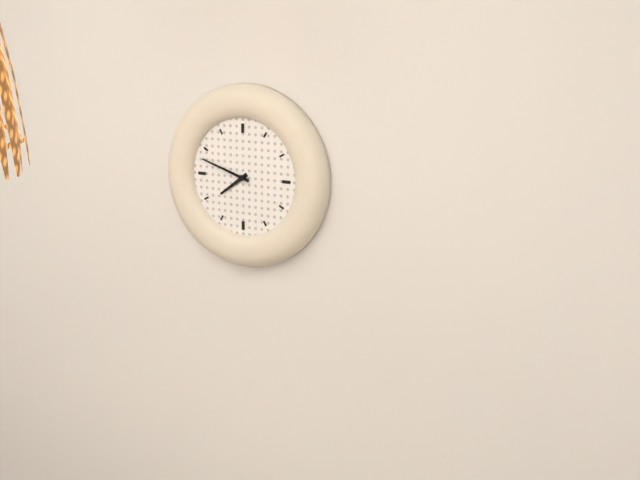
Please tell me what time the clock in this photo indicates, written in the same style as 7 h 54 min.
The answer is 7 h 48 min
